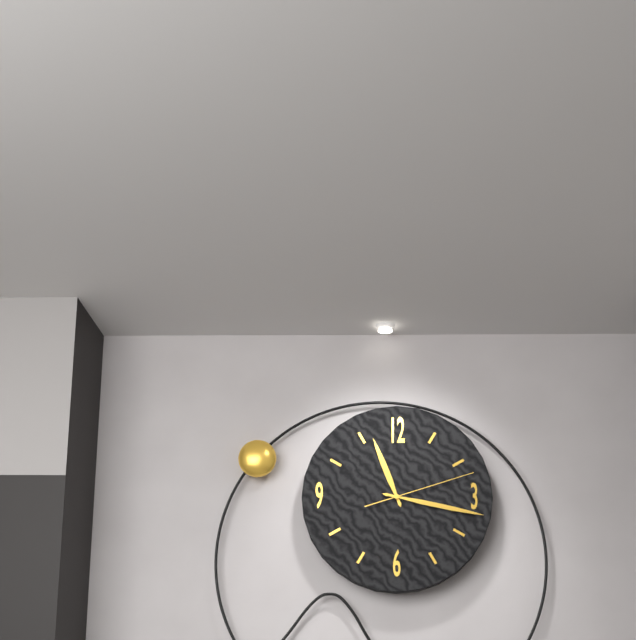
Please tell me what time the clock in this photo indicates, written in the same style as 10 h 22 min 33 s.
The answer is 11 h 17 min 12 s
